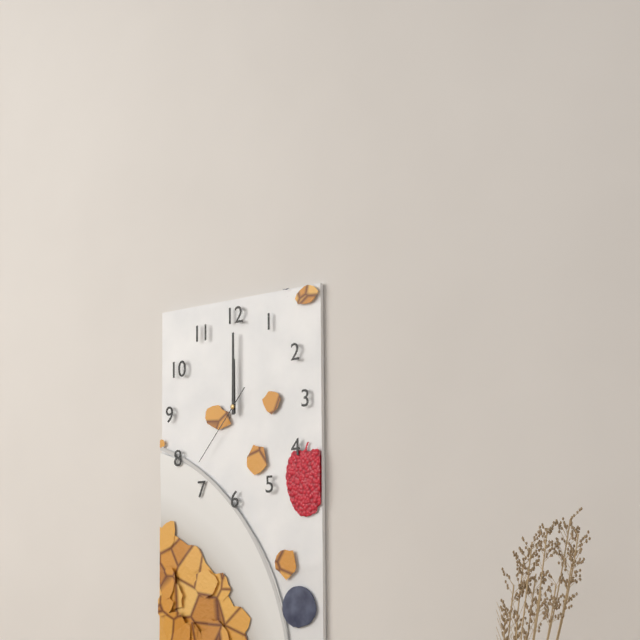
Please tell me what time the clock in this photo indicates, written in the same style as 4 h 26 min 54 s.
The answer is 12 h 00 min 37 s
